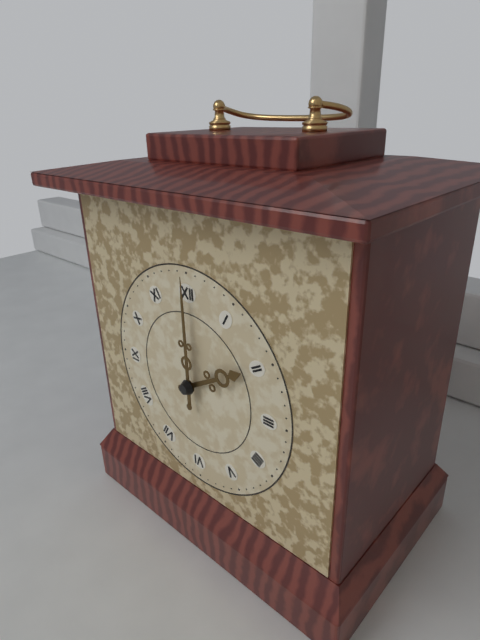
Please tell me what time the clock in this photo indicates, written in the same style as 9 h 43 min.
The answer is 2 h 00 min
